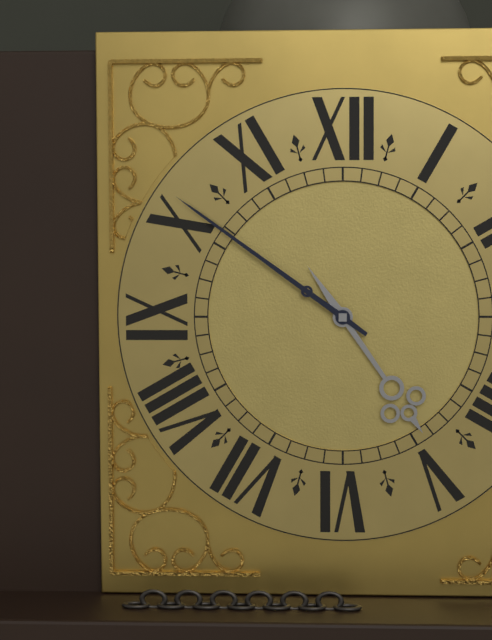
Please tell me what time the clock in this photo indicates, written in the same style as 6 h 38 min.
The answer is 4 h 51 min
